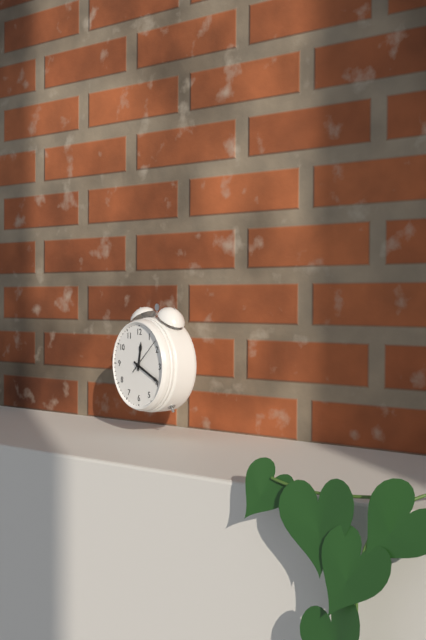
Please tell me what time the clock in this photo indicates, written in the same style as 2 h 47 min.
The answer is 12 h 19 min
